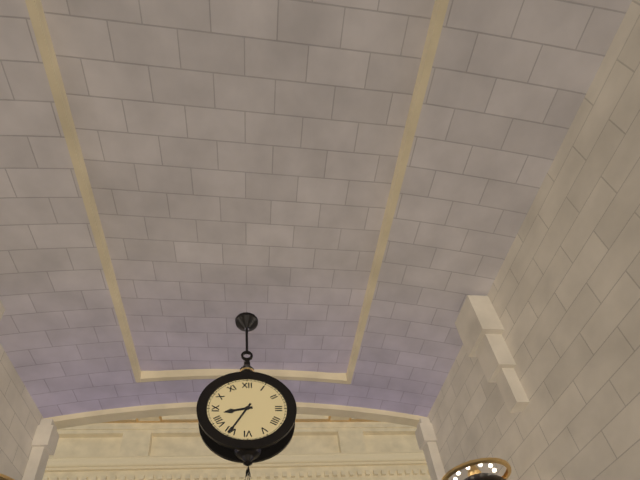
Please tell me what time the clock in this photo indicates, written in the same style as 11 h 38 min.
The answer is 8 h 35 min
